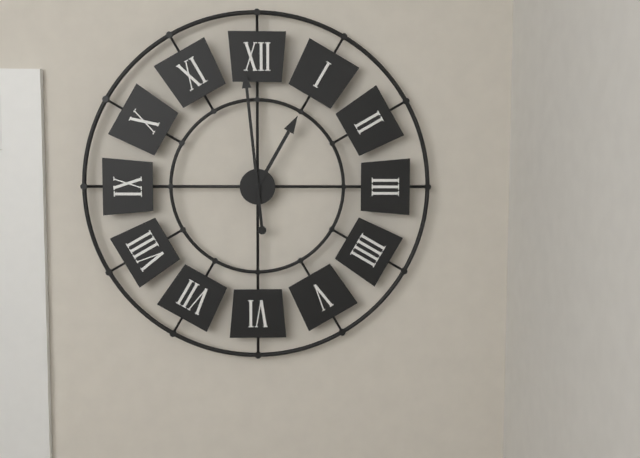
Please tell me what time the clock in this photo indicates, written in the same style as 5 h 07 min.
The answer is 12 h 59 min
